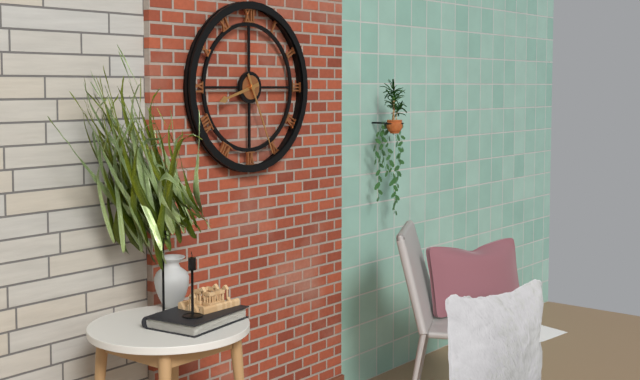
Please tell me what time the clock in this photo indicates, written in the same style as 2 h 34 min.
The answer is 8 h 26 min
